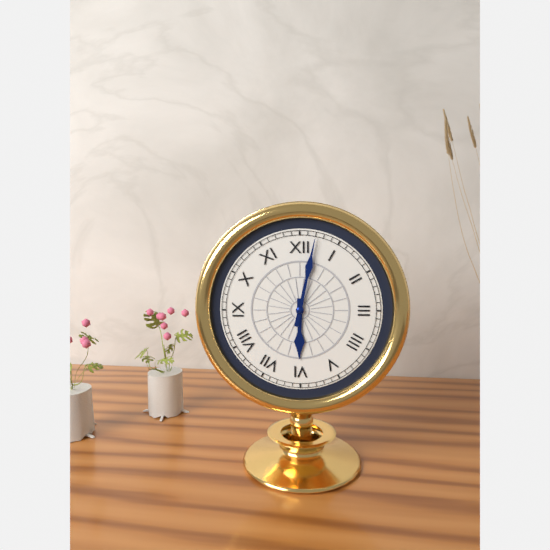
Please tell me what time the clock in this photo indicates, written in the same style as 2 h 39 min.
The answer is 6 h 02 min
